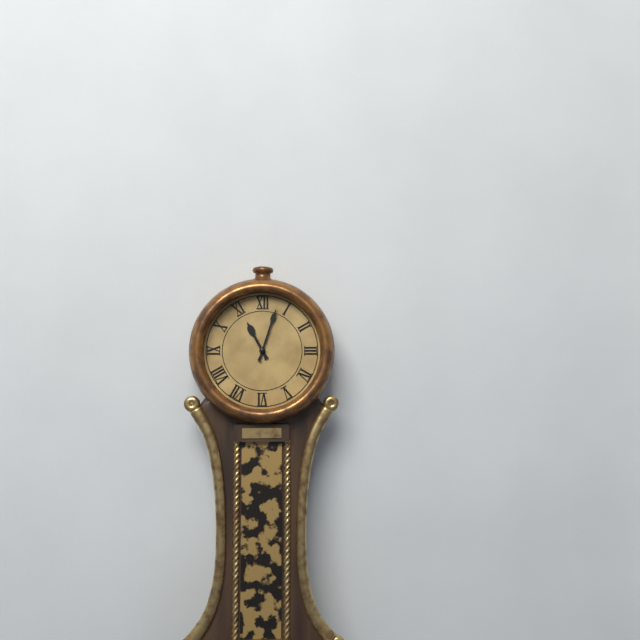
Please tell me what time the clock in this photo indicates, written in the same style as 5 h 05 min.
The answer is 11 h 03 min
